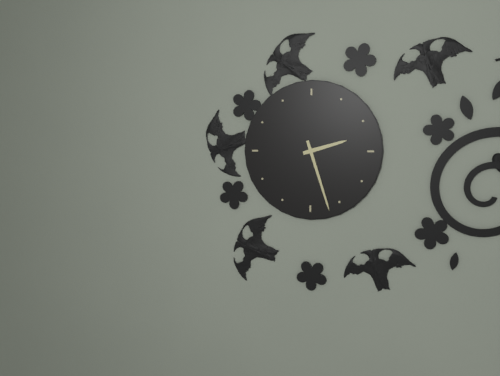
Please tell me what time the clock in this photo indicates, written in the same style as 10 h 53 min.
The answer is 2 h 27 min
